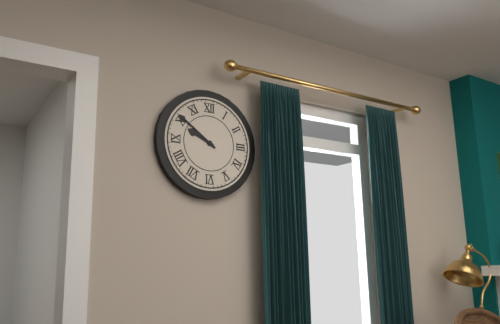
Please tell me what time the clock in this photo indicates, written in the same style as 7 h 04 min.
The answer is 9 h 51 min
